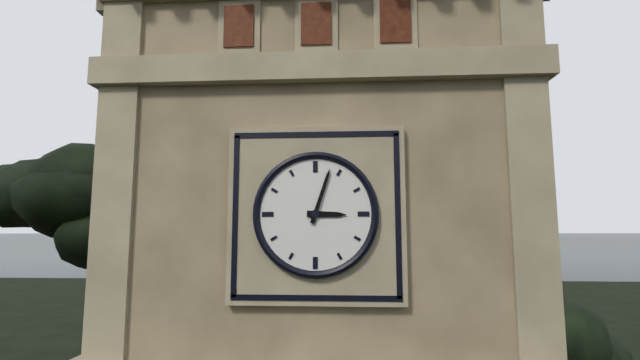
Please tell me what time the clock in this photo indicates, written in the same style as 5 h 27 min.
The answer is 3 h 03 min
